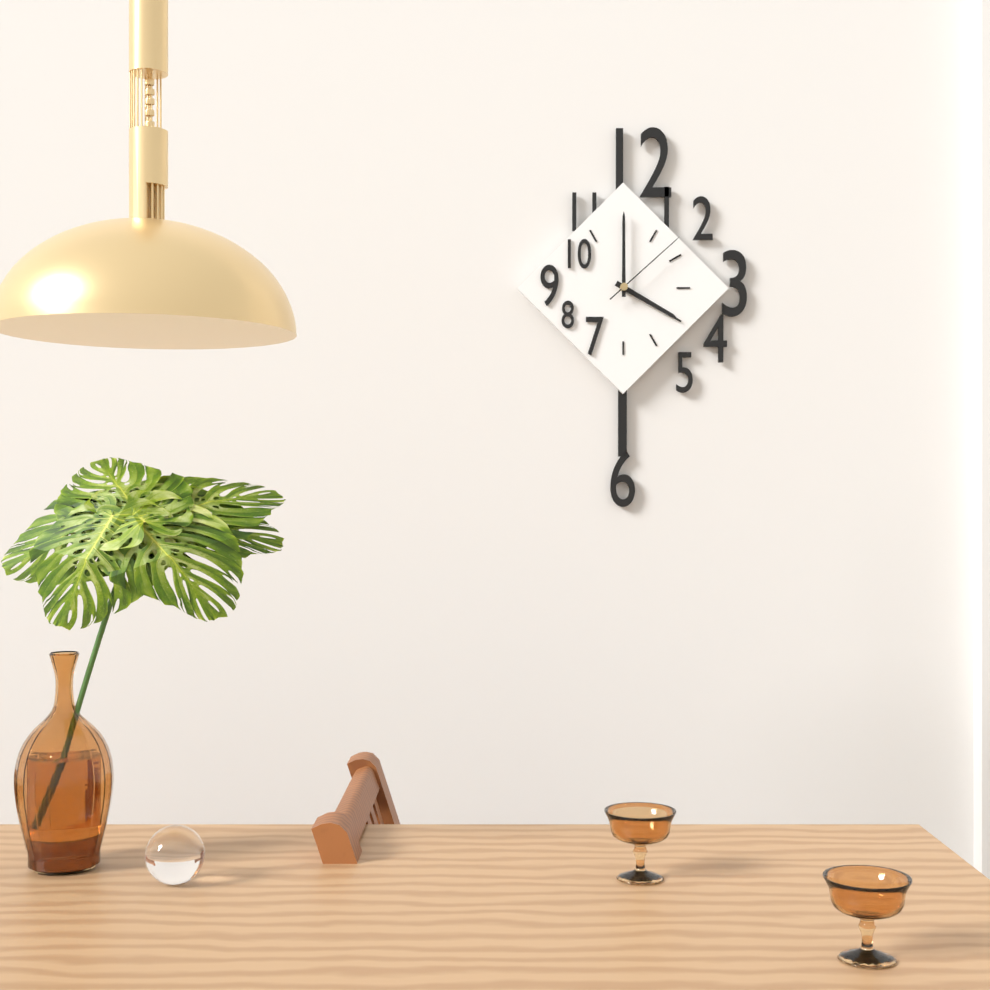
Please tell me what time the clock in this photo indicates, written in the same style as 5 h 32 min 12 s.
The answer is 4 h 00 min 08 s
